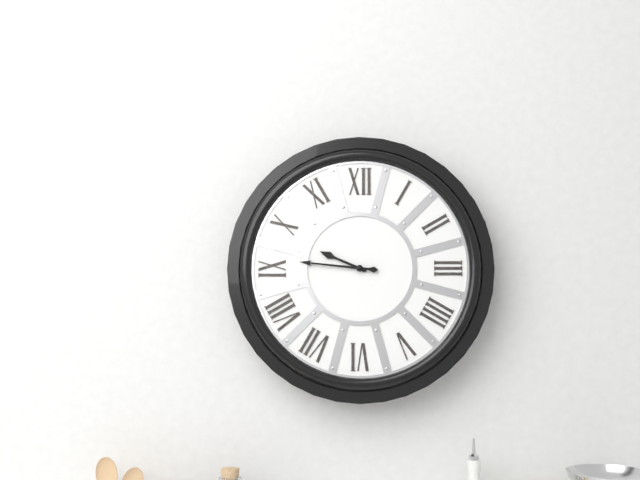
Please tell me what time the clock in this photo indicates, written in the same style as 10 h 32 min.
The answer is 9 h 46 min
